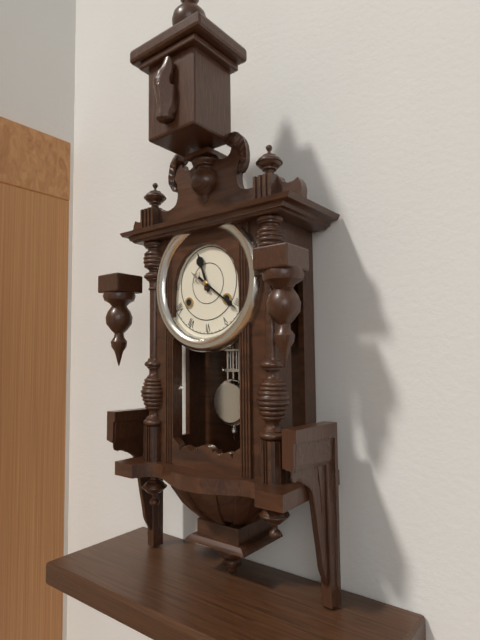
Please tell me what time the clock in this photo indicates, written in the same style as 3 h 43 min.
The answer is 11 h 21 min
